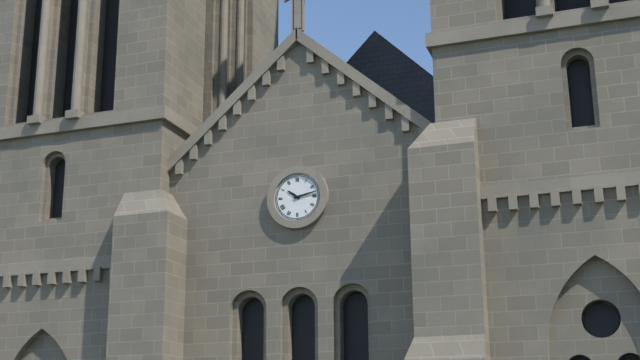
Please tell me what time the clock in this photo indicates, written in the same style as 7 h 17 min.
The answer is 10 h 13 min
